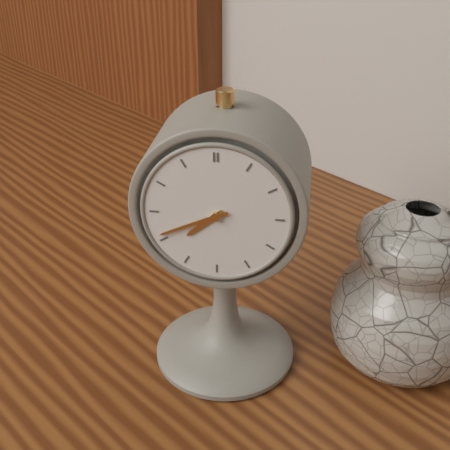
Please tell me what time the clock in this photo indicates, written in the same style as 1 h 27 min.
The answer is 7 h 41 min
